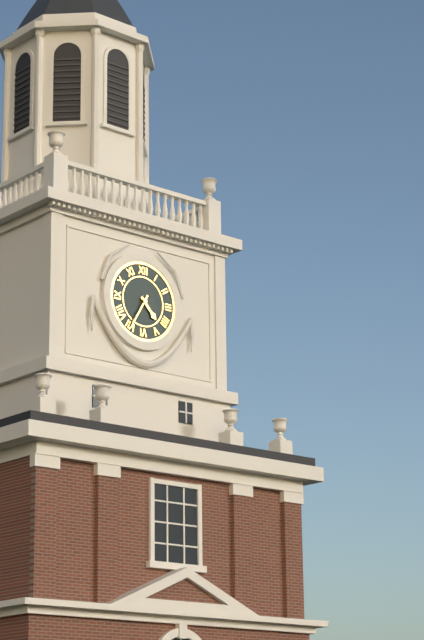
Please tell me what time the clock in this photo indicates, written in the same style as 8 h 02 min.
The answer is 4 h 35 min
